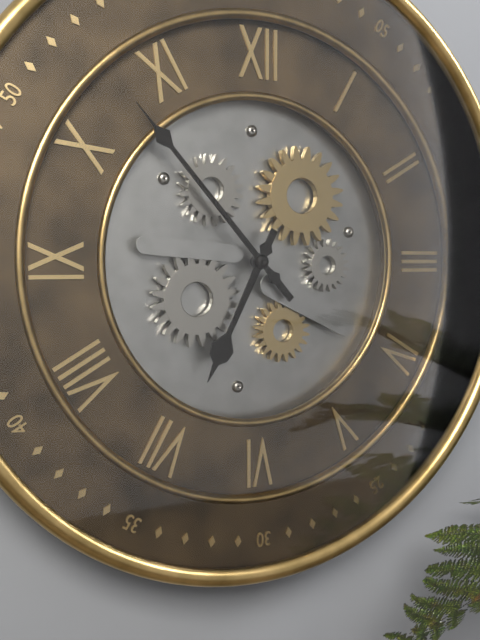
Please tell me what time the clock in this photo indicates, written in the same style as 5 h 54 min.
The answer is 6 h 53 min
